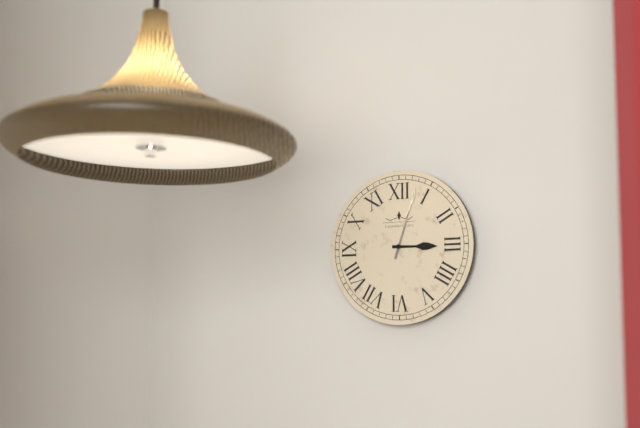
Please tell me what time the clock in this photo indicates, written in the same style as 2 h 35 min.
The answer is 3 h 03 min
